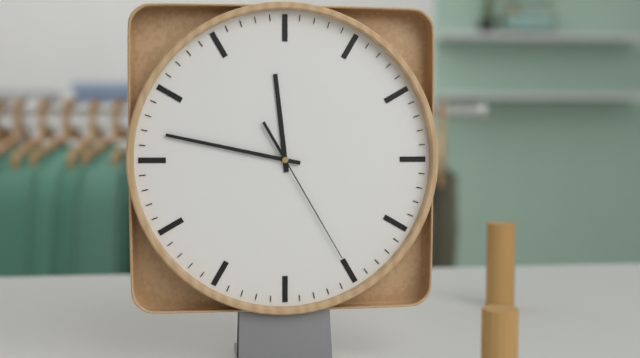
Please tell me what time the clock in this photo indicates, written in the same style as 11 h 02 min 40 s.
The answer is 11 h 47 min 25 s
